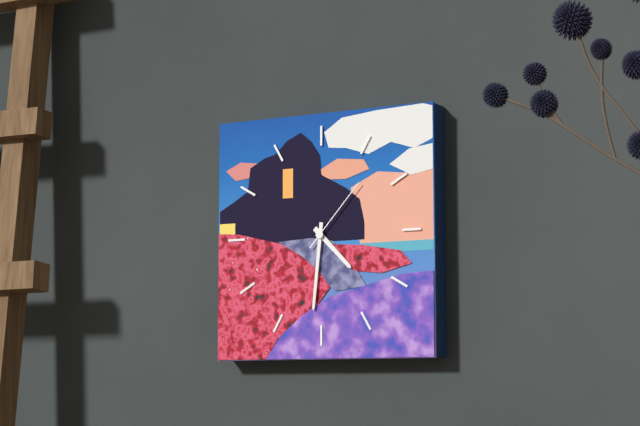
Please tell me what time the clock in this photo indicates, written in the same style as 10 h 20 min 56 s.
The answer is 4 h 31 min 07 s
